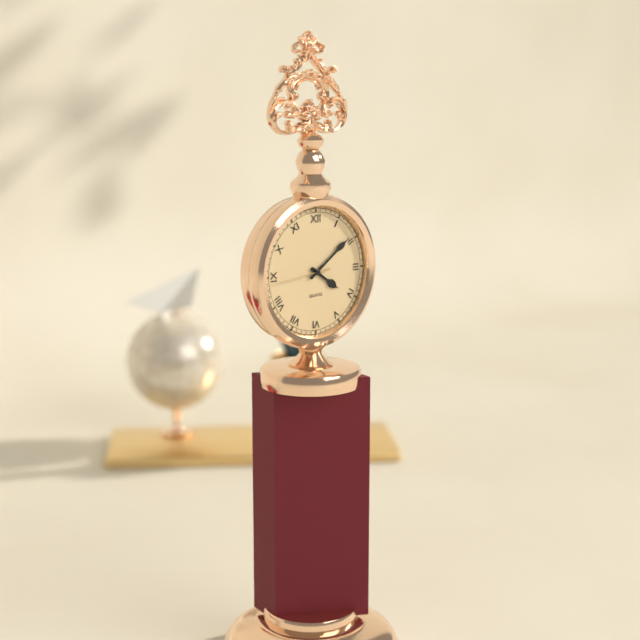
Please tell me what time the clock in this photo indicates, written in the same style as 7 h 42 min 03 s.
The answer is 4 h 09 min 44 s
